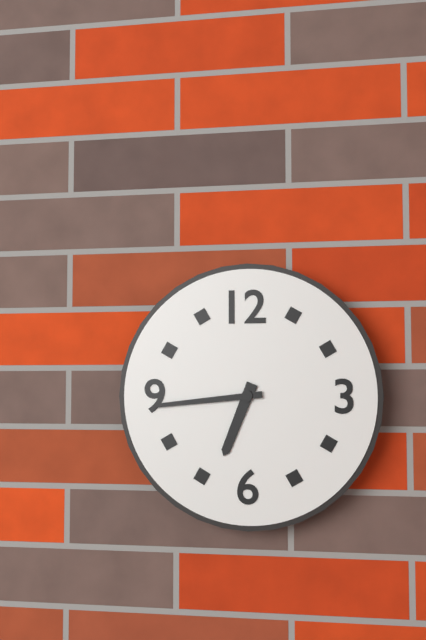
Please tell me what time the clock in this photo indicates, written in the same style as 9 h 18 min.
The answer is 6 h 44 min
